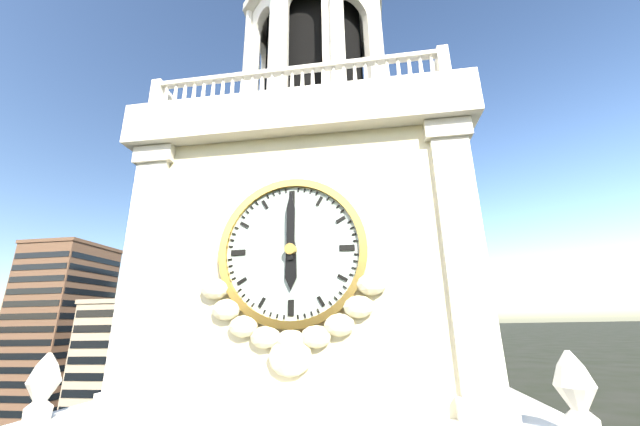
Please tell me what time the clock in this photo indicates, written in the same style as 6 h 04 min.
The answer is 6 h 00 min
